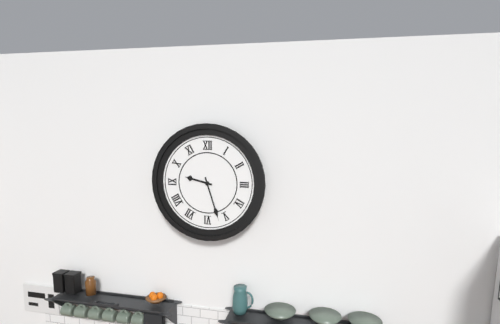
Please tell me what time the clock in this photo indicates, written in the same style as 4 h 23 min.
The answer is 9 h 27 min
